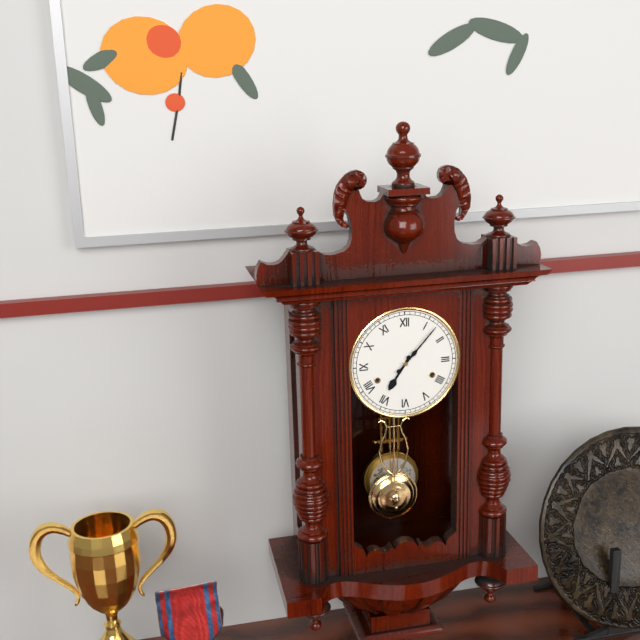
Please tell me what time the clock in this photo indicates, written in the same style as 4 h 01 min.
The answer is 7 h 07 min
